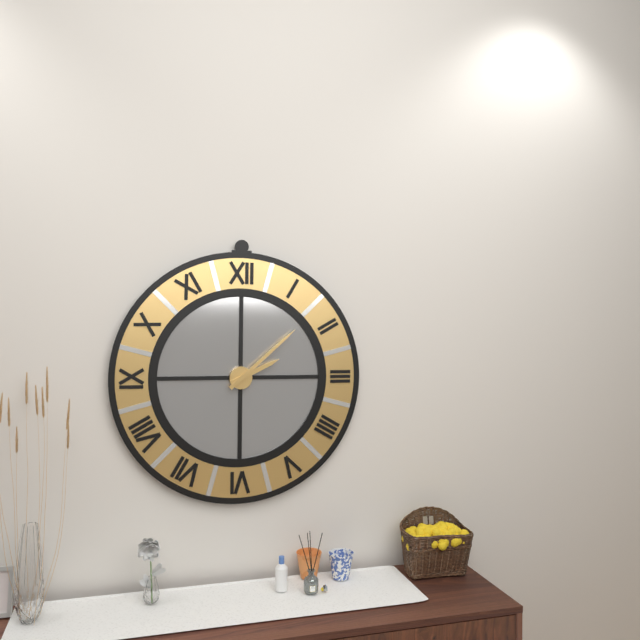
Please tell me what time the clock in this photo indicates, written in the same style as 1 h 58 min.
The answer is 2 h 08 min
